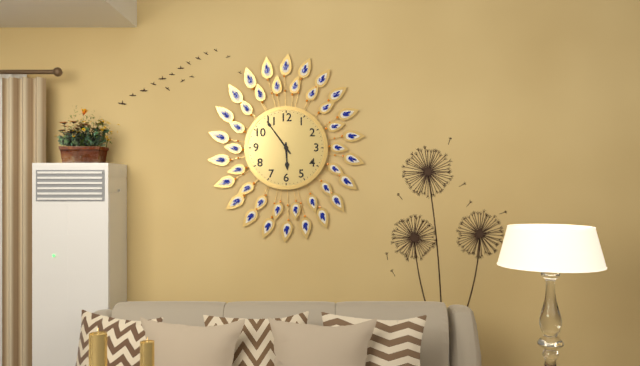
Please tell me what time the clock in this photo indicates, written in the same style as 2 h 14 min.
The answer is 5 h 54 min
